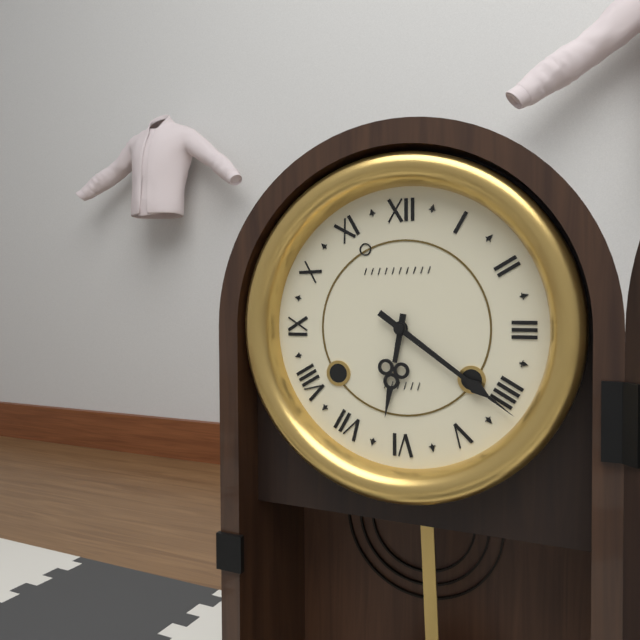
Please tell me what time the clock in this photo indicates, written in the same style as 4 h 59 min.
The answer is 6 h 21 min
